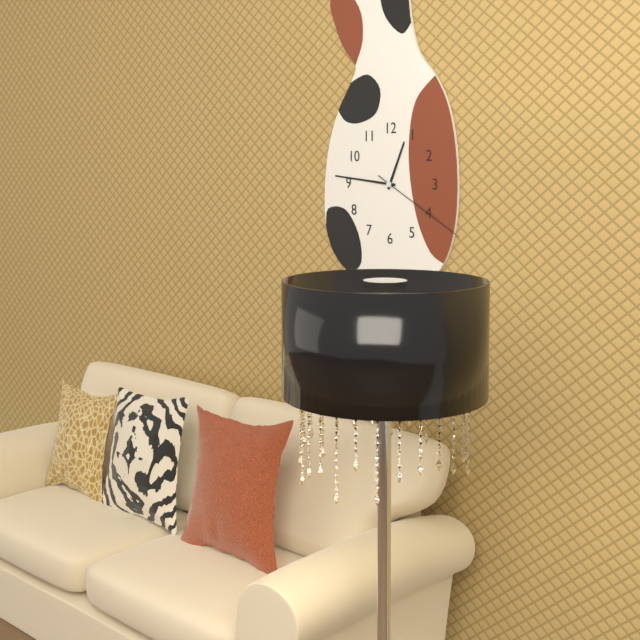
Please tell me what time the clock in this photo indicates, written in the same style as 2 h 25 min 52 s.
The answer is 12 h 46 min 20 s
